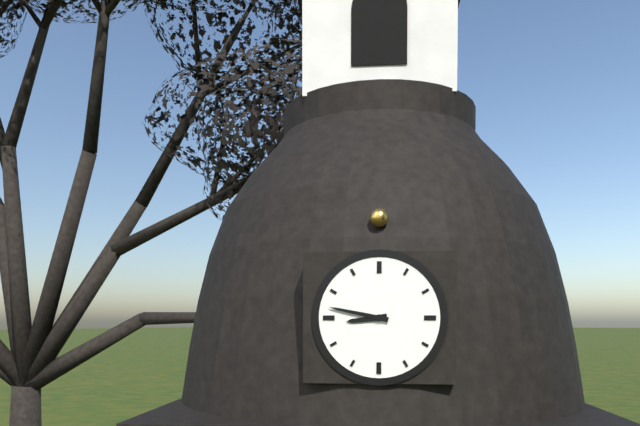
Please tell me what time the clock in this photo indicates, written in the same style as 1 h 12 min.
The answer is 8 h 47 min
